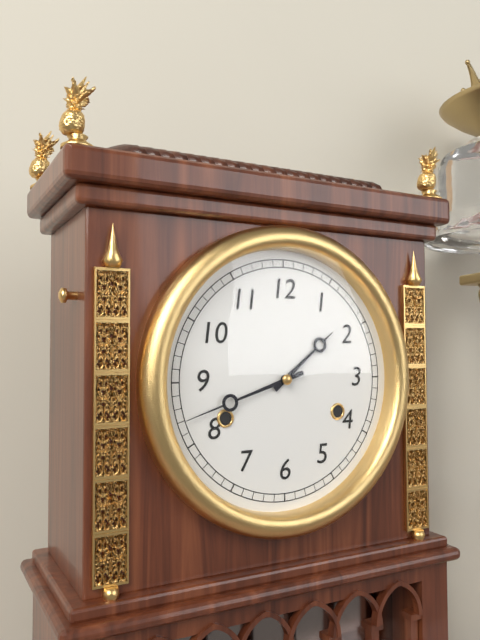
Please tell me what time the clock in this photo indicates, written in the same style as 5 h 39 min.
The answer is 1 h 42 min
